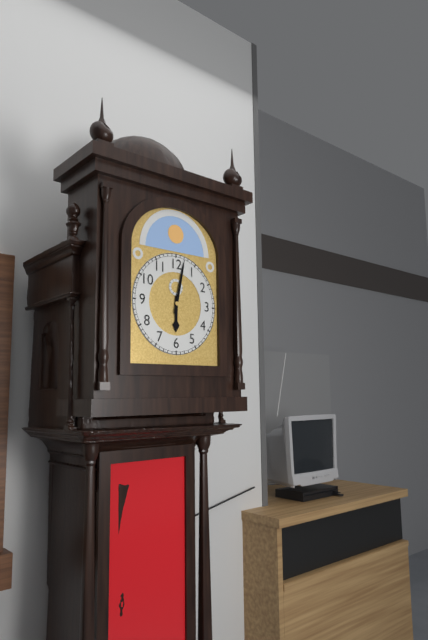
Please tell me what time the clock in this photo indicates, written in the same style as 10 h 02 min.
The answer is 6 h 02 min
